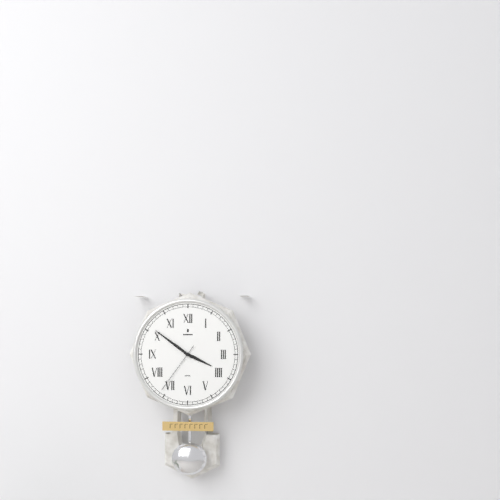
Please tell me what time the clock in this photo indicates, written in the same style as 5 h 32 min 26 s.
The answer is 3 h 51 min 36 s
